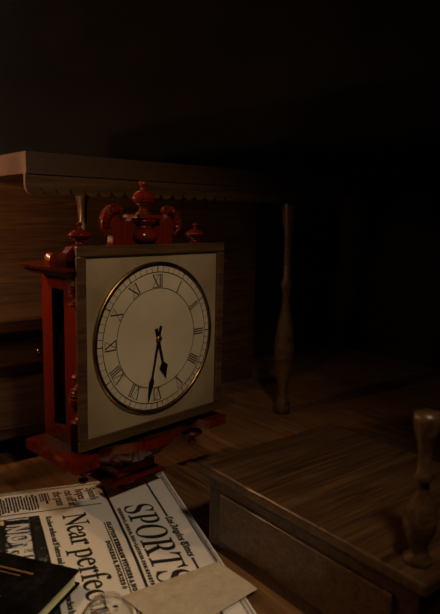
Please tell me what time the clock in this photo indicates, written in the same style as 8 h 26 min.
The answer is 5 h 32 min
